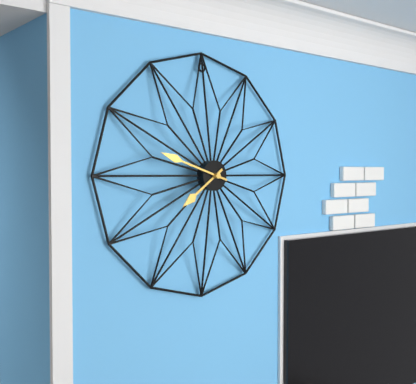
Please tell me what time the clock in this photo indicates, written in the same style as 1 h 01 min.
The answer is 7 h 48 min
